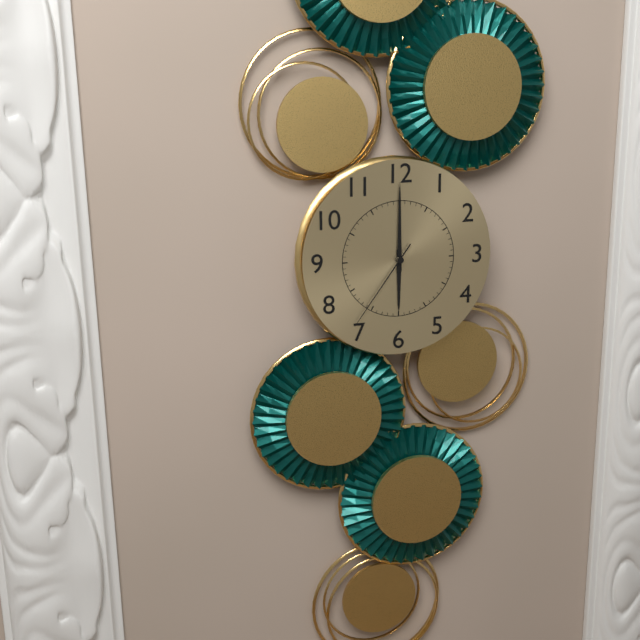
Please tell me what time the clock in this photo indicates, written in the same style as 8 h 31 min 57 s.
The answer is 6 h 00 min 36 s
